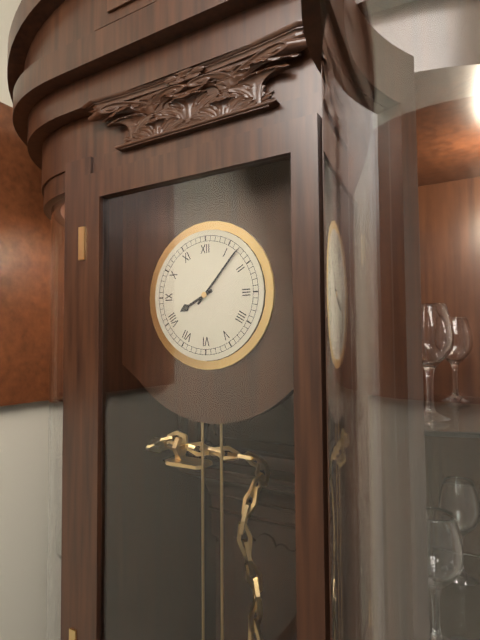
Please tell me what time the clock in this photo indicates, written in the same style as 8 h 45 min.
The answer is 8 h 07 min
